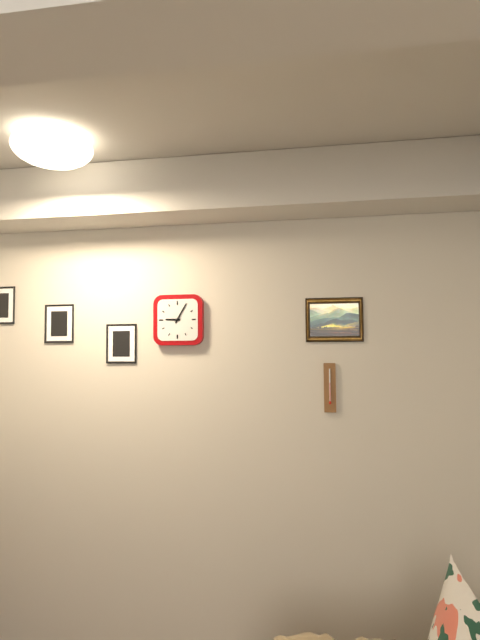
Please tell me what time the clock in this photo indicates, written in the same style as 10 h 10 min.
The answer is 9 h 05 min
